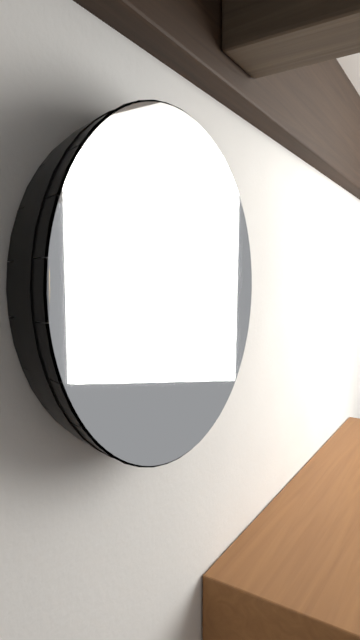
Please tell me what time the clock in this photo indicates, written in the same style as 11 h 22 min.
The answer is 9 h 04 min
